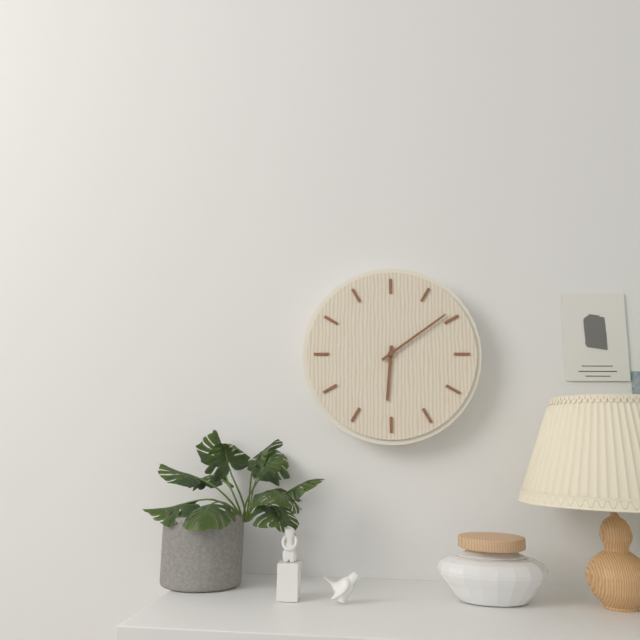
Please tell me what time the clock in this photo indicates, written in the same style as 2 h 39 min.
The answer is 6 h 09 min
